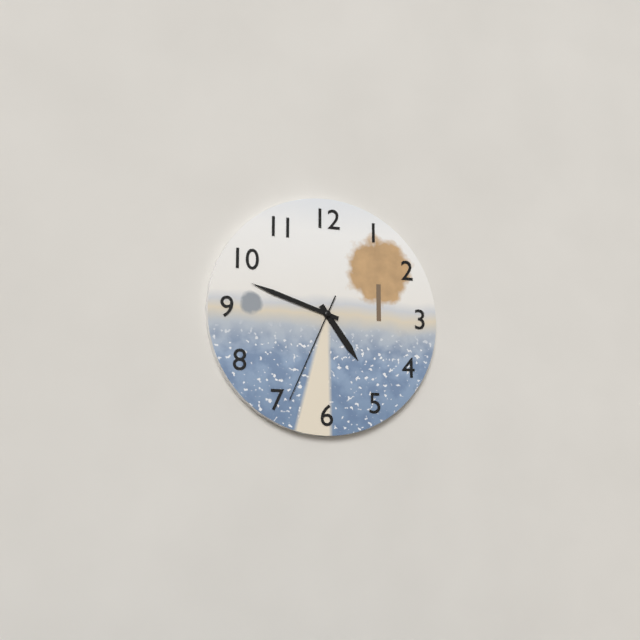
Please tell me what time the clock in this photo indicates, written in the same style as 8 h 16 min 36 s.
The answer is 4 h 48 min 34 s
